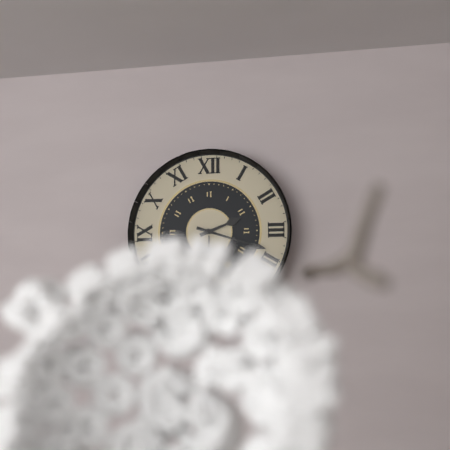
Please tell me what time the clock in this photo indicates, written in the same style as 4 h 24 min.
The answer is 2 h 18 min
